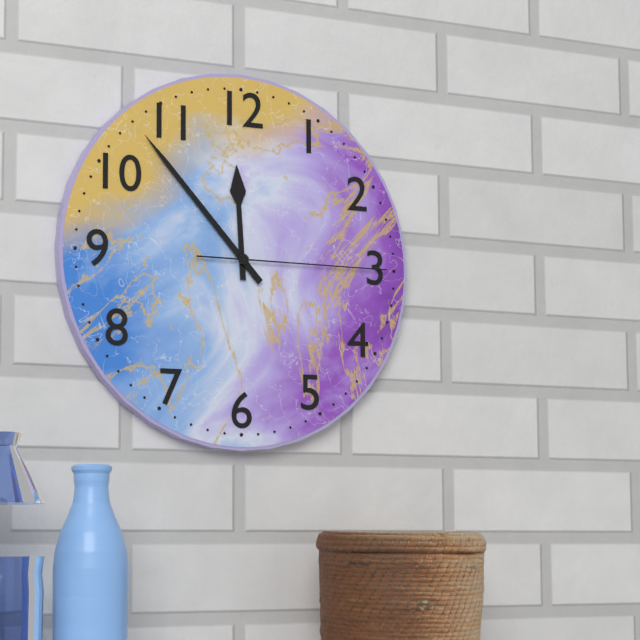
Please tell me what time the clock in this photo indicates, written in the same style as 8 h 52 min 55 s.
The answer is 11 h 53 min 15 s
